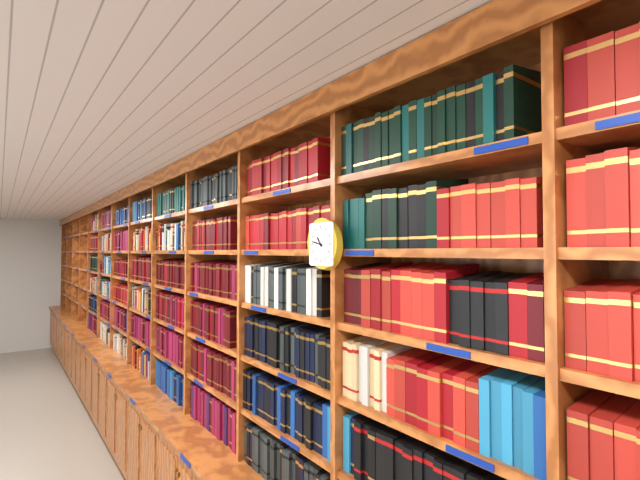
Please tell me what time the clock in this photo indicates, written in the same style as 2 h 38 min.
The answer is 10 h 47 min
